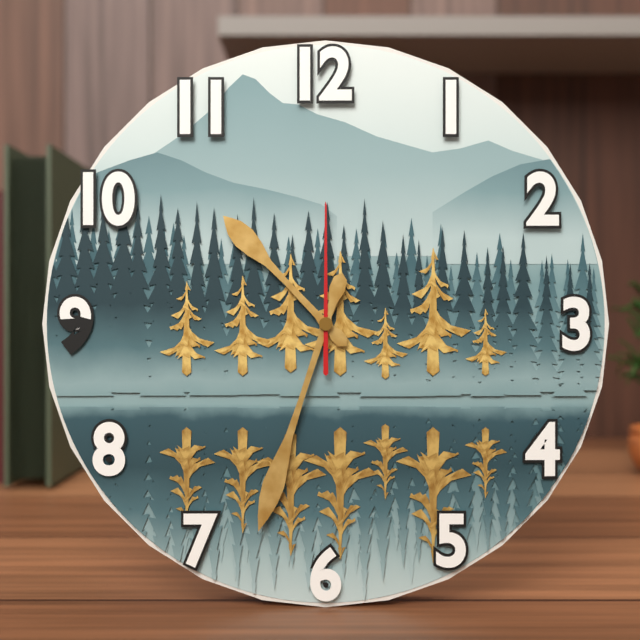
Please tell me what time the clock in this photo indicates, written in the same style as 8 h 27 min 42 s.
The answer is 10 h 33 min 00 s
